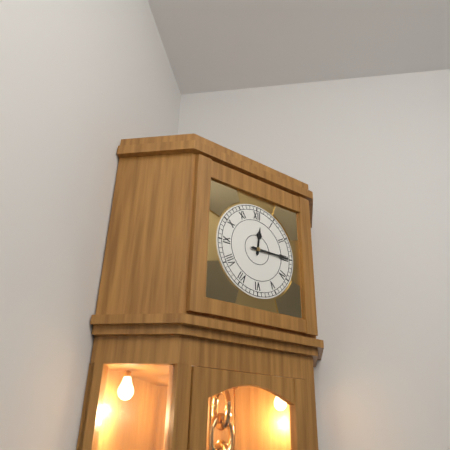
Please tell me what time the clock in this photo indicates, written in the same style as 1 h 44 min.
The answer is 12 h 15 min
